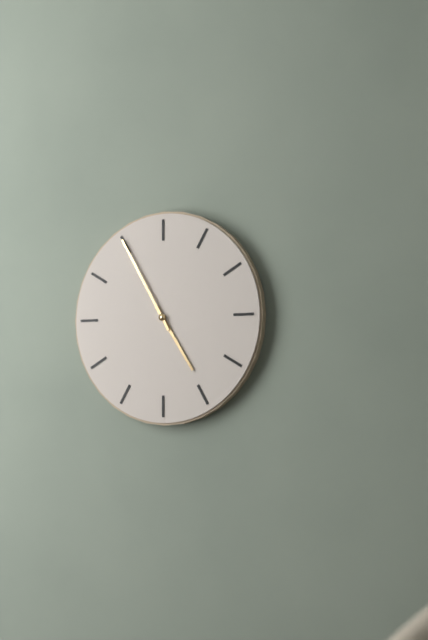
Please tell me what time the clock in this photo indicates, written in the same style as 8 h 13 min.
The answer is 4 h 55 min
